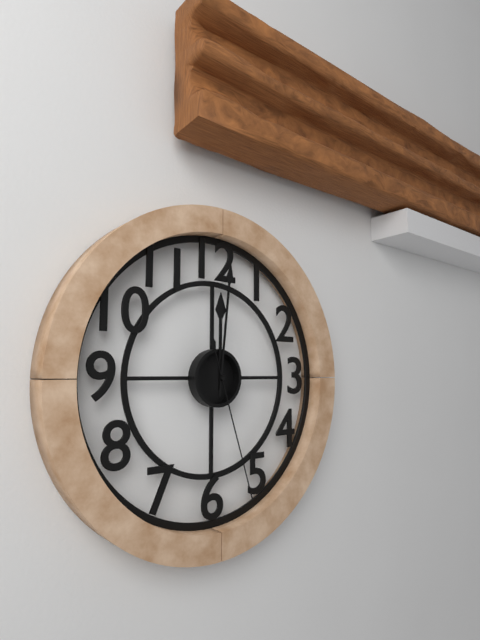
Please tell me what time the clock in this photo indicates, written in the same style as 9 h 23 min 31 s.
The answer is 12 h 01 min 27 s
